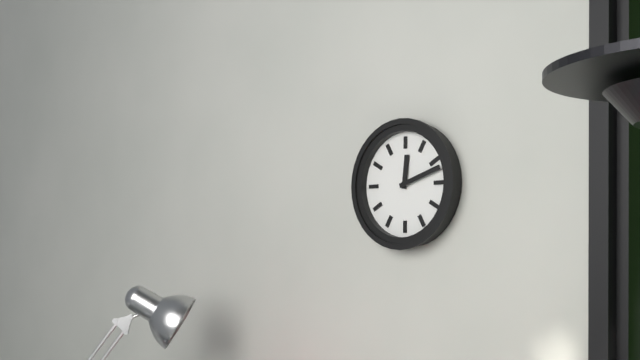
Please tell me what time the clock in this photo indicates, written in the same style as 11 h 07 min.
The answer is 12 h 12 min
